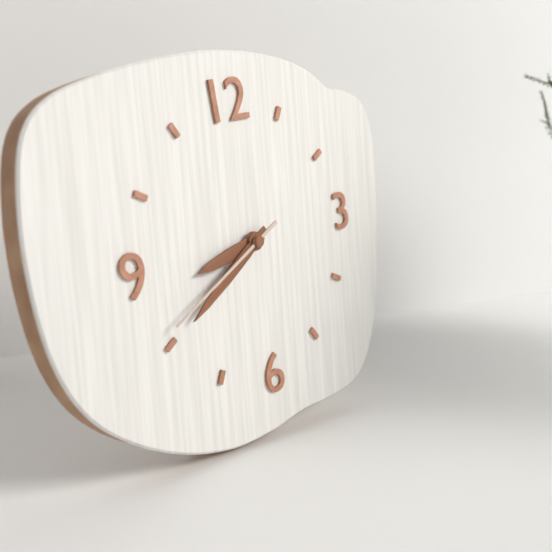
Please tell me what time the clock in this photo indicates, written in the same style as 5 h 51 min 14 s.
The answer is 8 h 40 min 41 s
